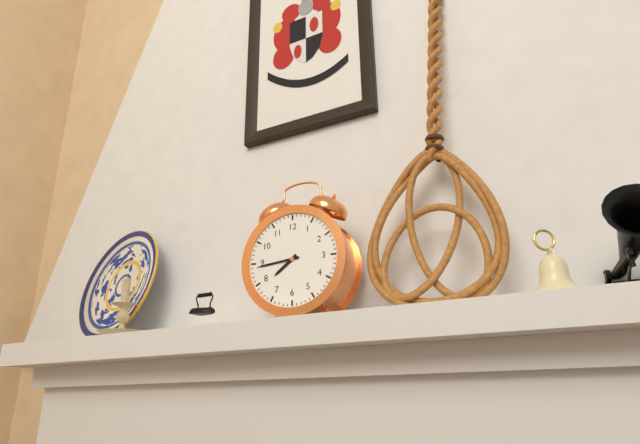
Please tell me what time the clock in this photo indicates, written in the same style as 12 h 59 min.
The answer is 7 h 44 min
